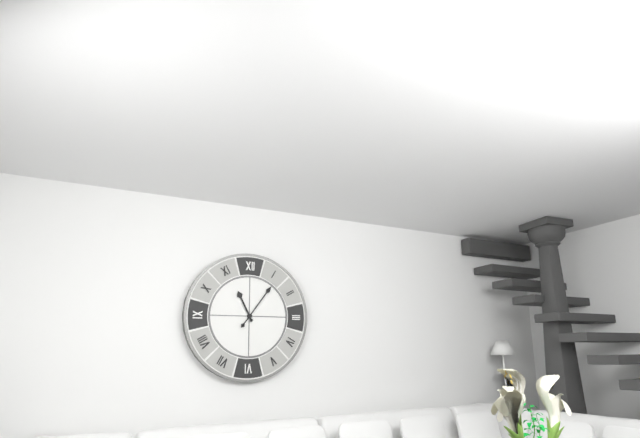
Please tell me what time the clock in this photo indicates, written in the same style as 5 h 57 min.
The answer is 11 h 06 min
